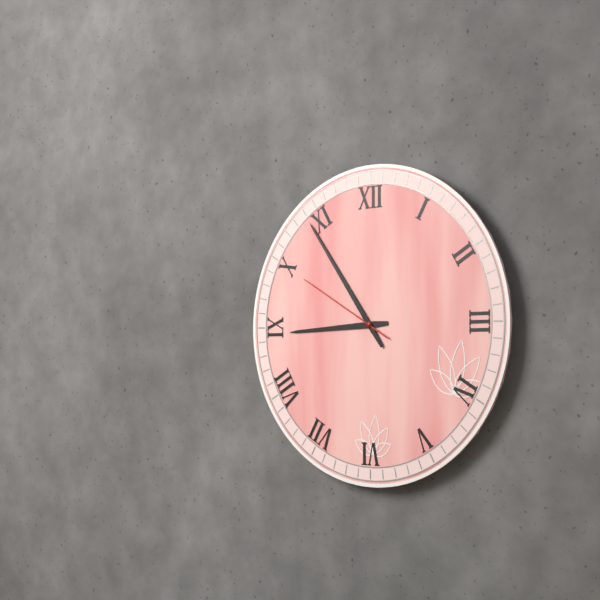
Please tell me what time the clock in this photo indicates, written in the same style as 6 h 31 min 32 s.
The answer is 8 h 54 min 50 s
